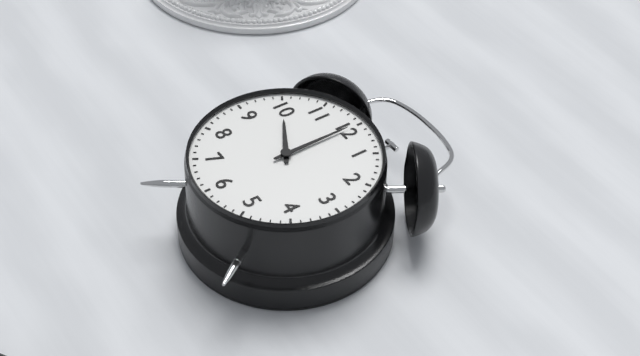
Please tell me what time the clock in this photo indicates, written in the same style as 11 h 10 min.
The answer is 10 h 00 min
